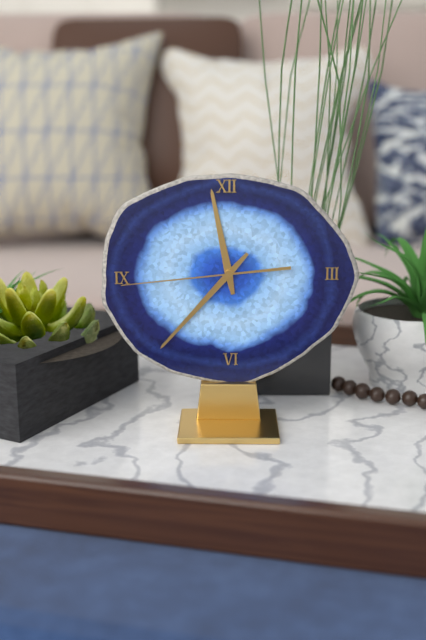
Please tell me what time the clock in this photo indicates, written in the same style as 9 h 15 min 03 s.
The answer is 11 h 37 min 44 s
